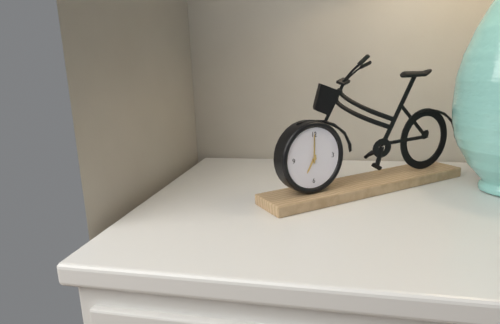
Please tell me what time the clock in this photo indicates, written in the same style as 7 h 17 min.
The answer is 7 h 00 min
